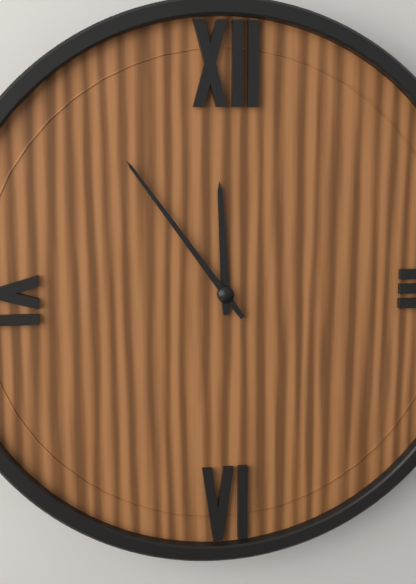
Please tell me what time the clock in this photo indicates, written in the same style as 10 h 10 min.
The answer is 11 h 54 min
